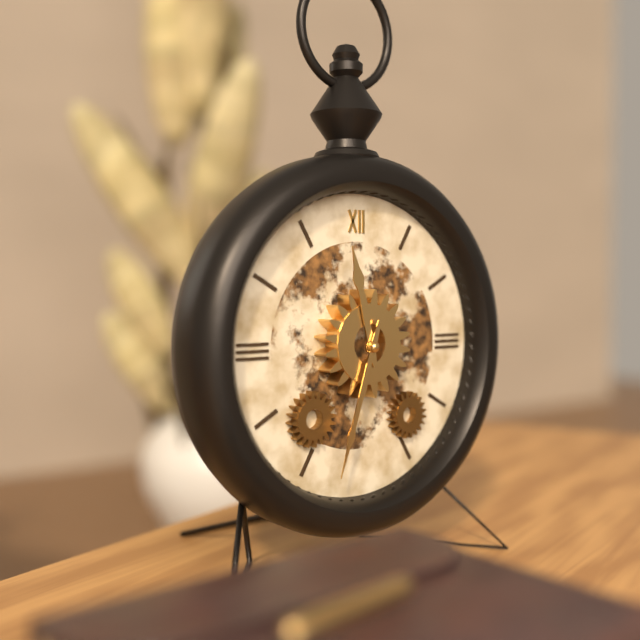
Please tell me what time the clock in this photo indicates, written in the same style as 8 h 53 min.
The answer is 11 h 33 min
